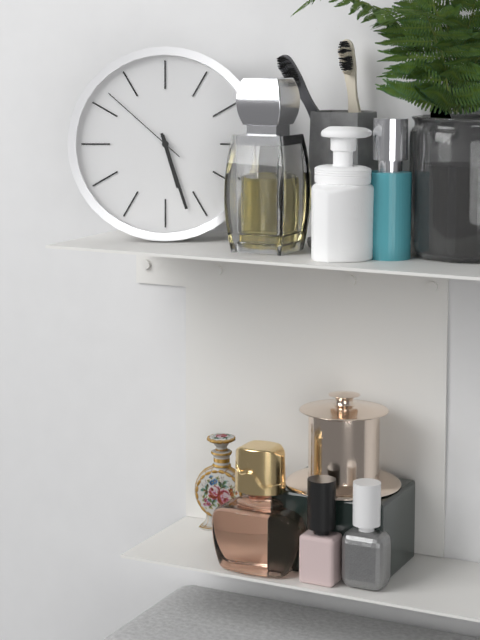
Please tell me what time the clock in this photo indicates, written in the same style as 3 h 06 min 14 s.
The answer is 5 h 27 min 52 s
